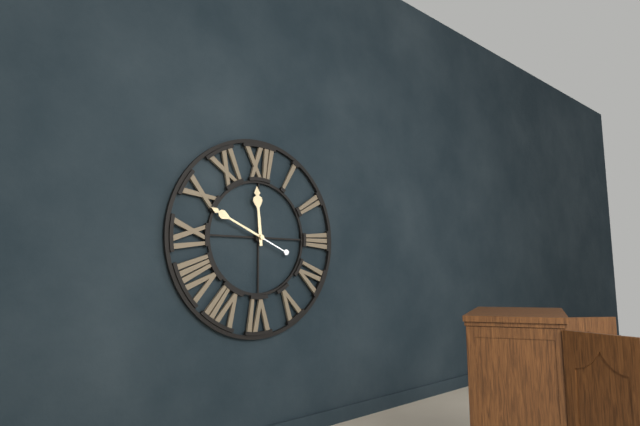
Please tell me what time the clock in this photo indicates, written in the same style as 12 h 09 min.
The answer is 11 h 49 min
